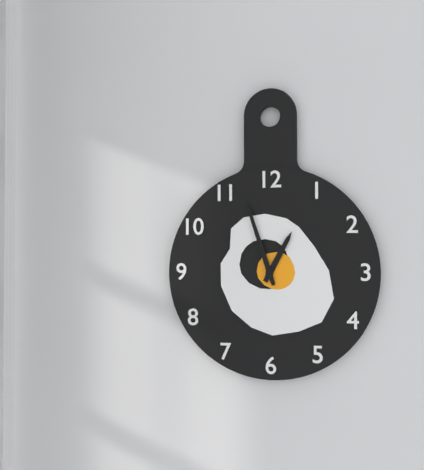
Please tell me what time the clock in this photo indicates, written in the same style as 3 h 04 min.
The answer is 12 h 57 min
